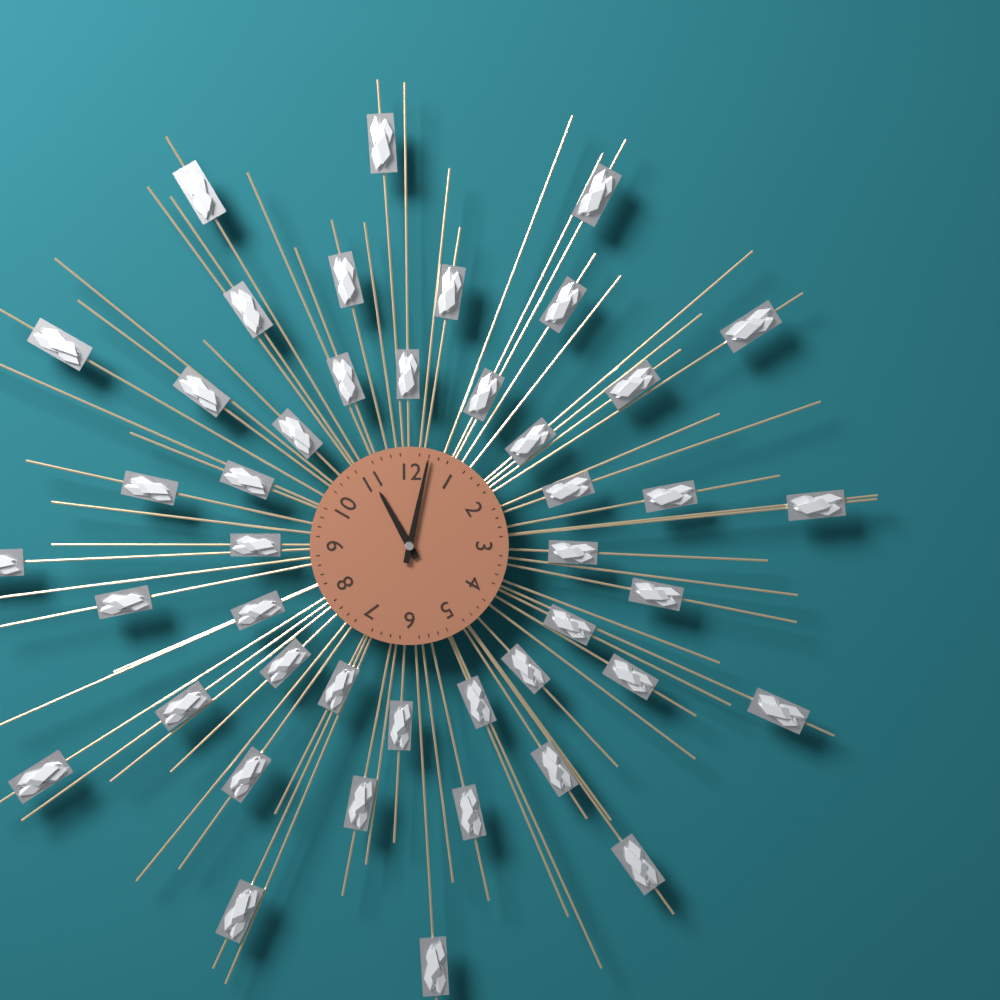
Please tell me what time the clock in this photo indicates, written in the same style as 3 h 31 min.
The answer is 11 h 02 min
